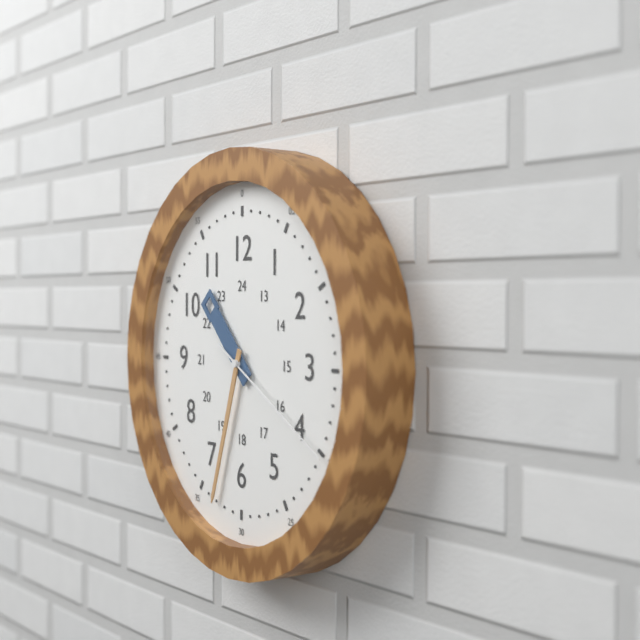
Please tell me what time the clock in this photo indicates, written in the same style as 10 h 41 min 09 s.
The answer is 10 h 33 min 20 s
